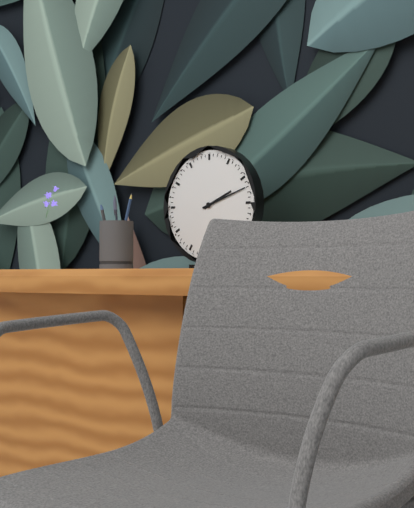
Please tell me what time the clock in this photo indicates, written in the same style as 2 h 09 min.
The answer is 2 h 12 min
